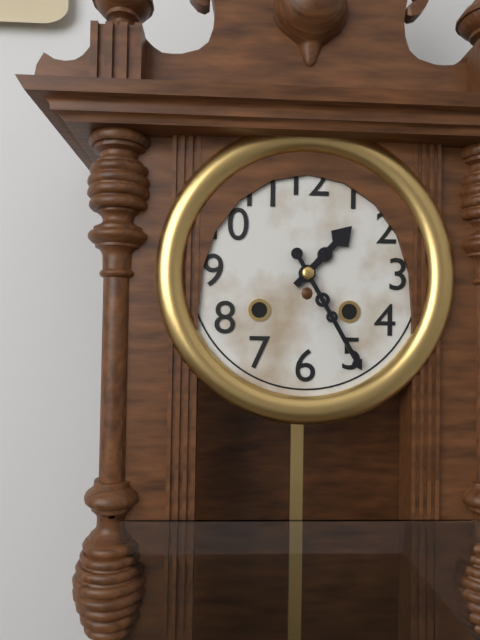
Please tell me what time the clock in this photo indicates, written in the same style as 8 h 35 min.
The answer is 1 h 25 min
